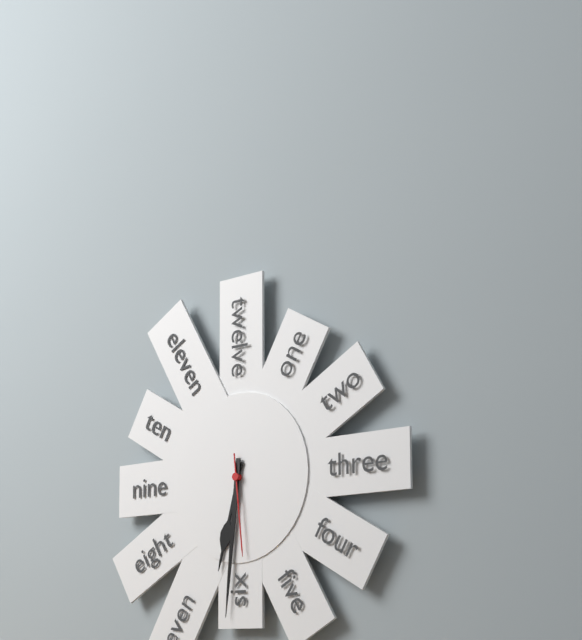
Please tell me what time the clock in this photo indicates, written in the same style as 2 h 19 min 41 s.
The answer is 6 h 31 min 29 s
